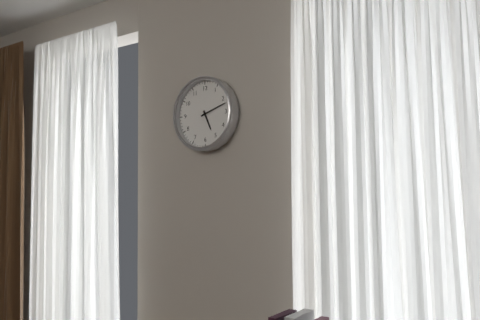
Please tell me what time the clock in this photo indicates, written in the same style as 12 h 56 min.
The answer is 5 h 12 min
